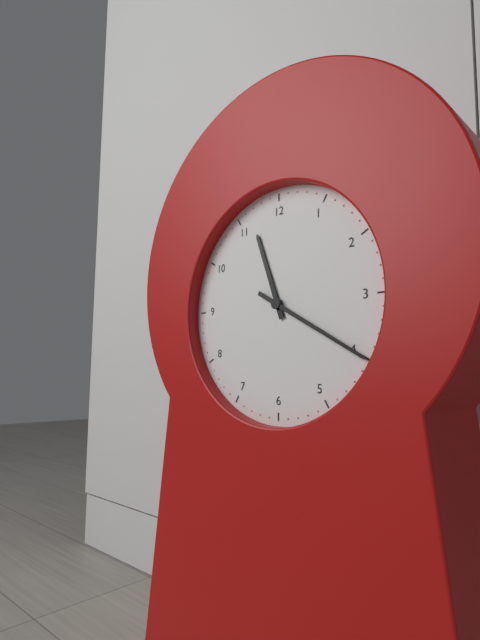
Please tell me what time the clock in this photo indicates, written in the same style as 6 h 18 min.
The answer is 11 h 20 min
